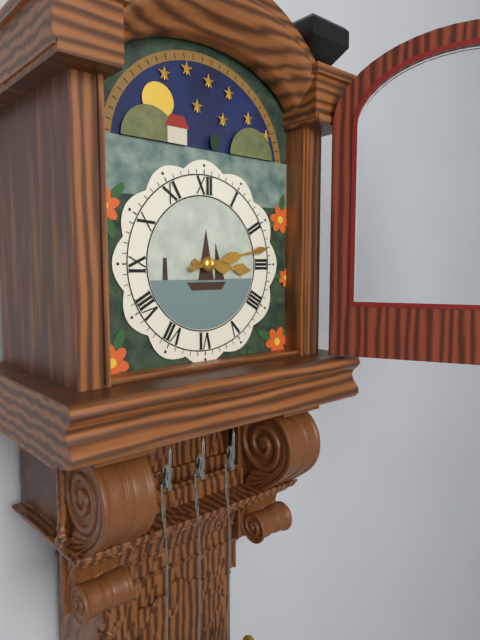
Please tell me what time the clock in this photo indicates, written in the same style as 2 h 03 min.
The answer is 3 h 13 min
